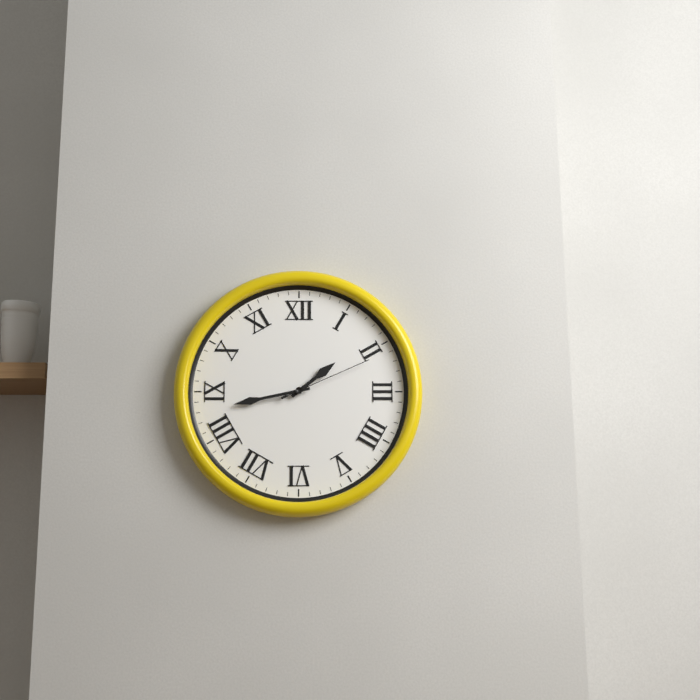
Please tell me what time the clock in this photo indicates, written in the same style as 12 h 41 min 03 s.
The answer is 1 h 43 min 11 s
